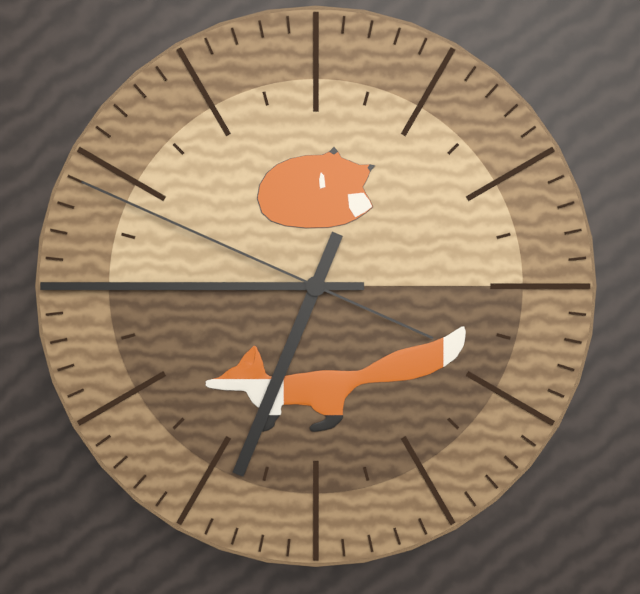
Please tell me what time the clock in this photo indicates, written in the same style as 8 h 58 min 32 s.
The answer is 6 h 45 min 49 s
